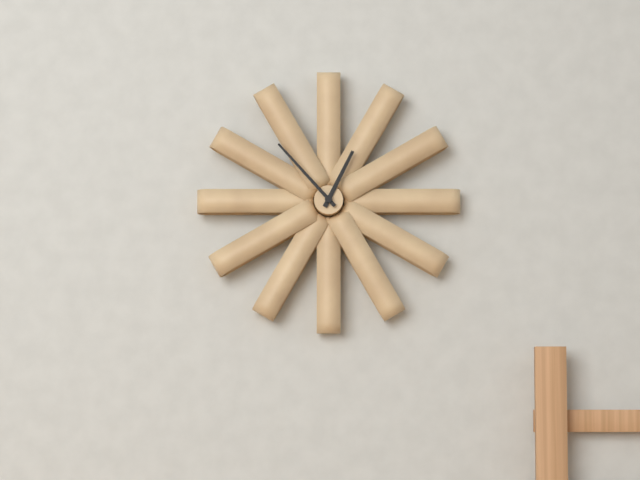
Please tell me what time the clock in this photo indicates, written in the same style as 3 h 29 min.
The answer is 12 h 53 min
